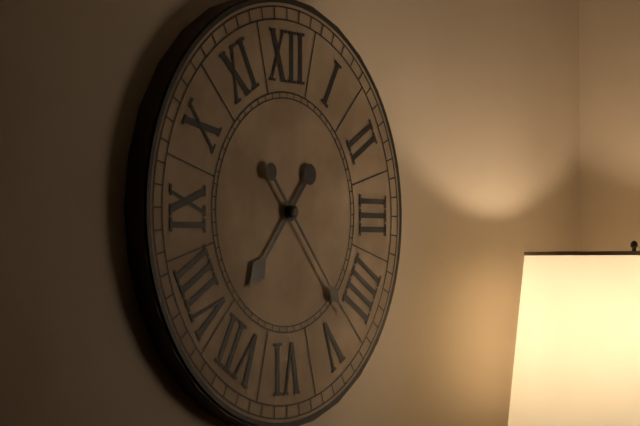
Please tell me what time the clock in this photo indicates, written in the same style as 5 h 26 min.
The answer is 7 h 23 min
